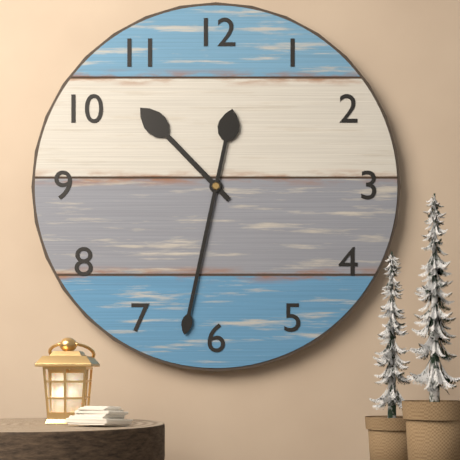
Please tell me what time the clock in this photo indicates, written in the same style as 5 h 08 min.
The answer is 10 h 32 min
